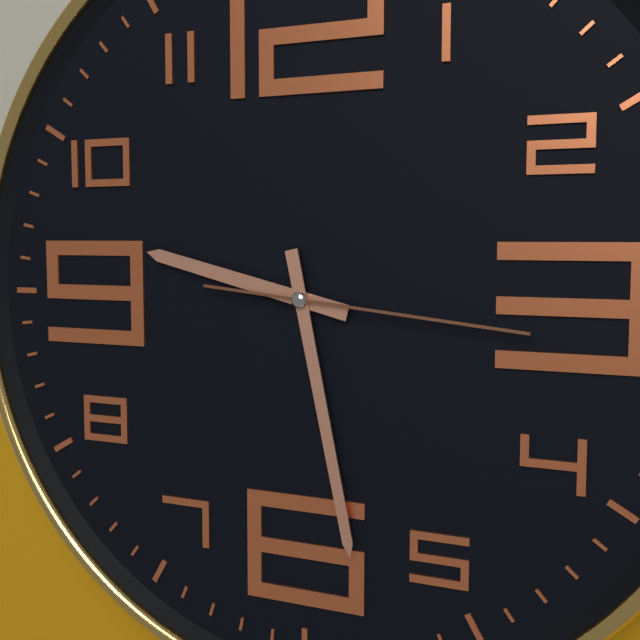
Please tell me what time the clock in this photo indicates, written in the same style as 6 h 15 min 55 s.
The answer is 9 h 28 min 16 s
